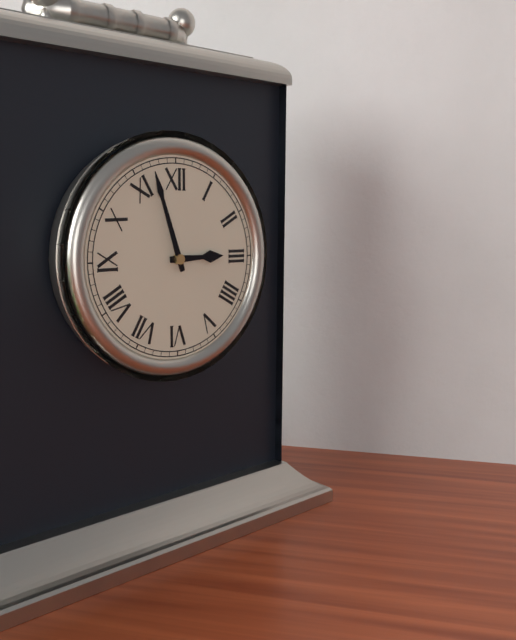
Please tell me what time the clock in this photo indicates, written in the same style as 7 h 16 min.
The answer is 2 h 57 min
